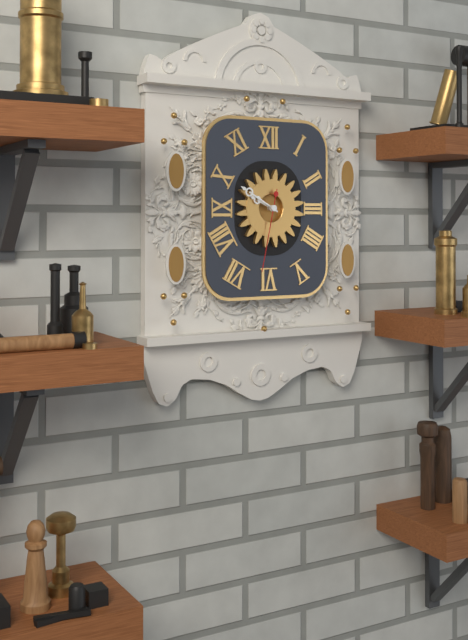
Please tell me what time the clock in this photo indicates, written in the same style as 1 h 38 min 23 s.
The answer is 9 h 50 min 32 s
